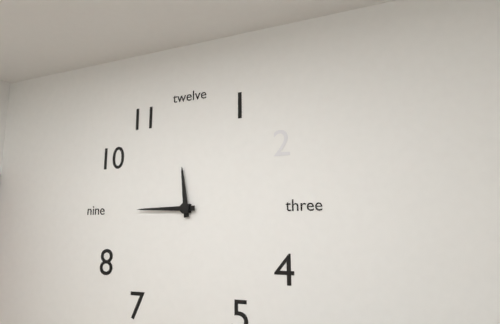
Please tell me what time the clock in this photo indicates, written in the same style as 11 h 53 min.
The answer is 11 h 45 min
